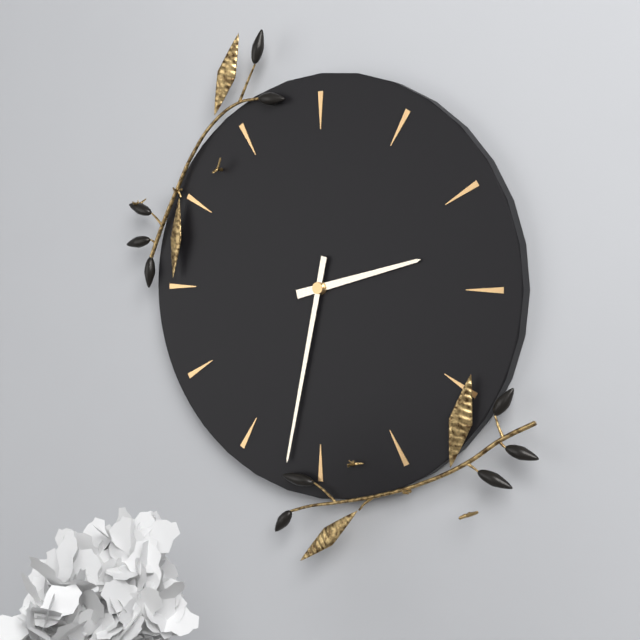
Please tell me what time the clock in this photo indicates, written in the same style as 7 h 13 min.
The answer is 2 h 32 min
